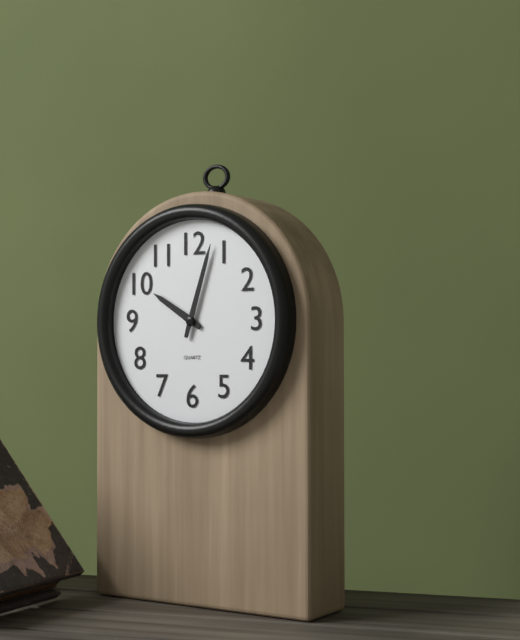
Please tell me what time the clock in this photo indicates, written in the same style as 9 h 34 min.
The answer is 10 h 03 min
